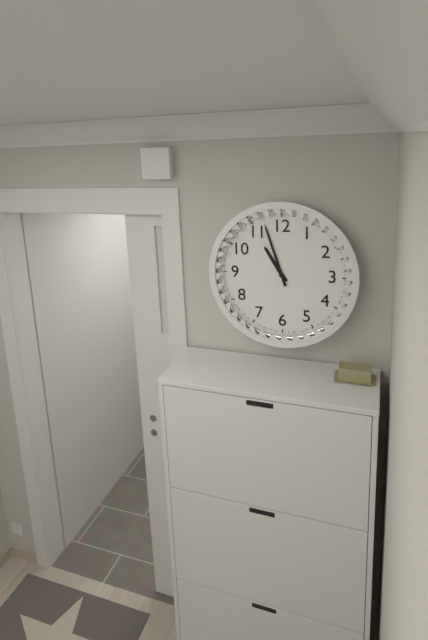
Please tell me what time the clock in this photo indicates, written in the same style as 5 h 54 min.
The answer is 10 h 57 min
